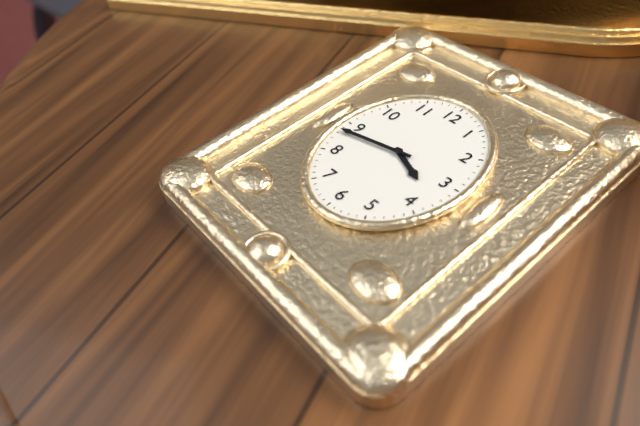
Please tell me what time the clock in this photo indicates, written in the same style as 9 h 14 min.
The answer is 3 h 43 min
